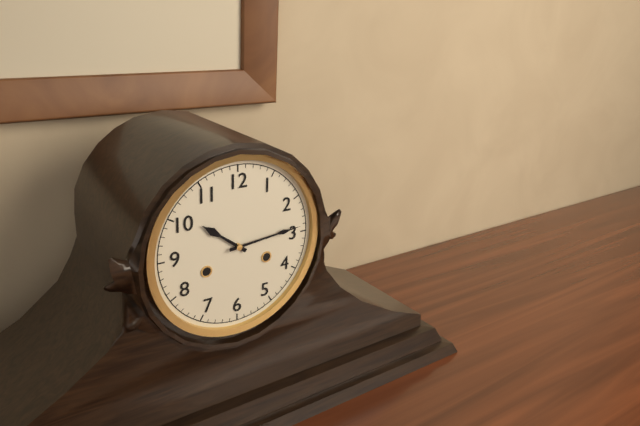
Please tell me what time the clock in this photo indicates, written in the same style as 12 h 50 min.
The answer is 10 h 14 min
